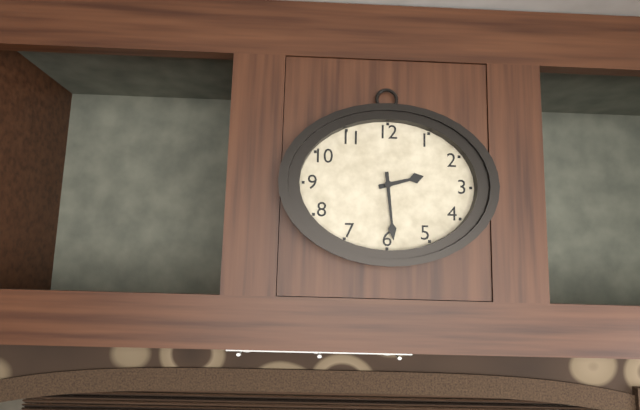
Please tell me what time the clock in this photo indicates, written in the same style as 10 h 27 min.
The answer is 2 h 29 min
